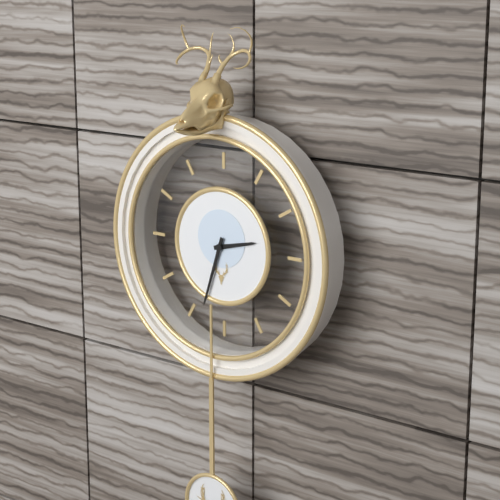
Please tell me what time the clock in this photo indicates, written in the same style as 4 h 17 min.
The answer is 2 h 33 min
